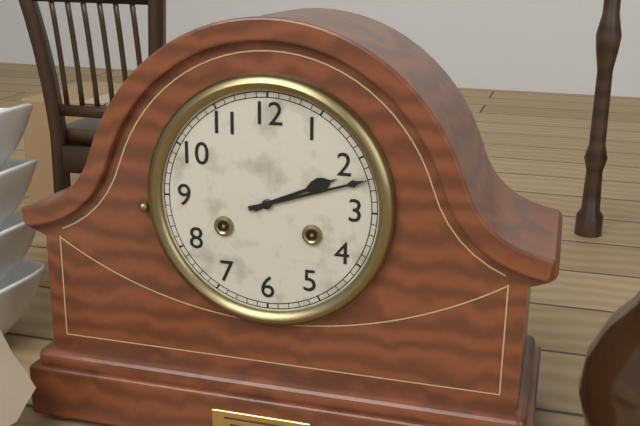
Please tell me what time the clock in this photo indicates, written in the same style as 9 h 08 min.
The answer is 2 h 12 min
